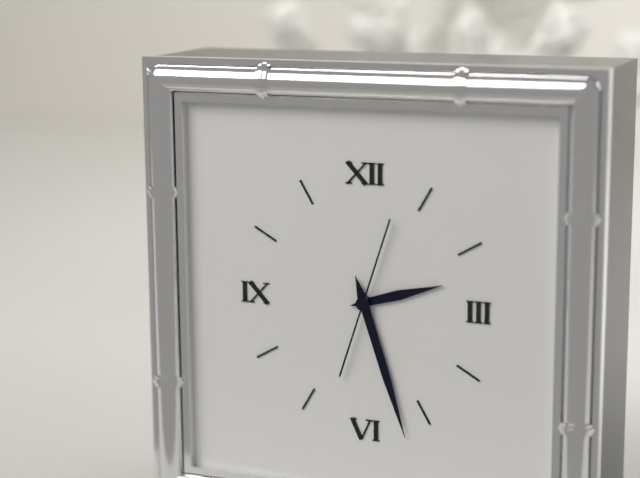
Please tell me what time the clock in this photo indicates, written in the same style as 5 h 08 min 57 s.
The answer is 2 h 27 min 03 s
